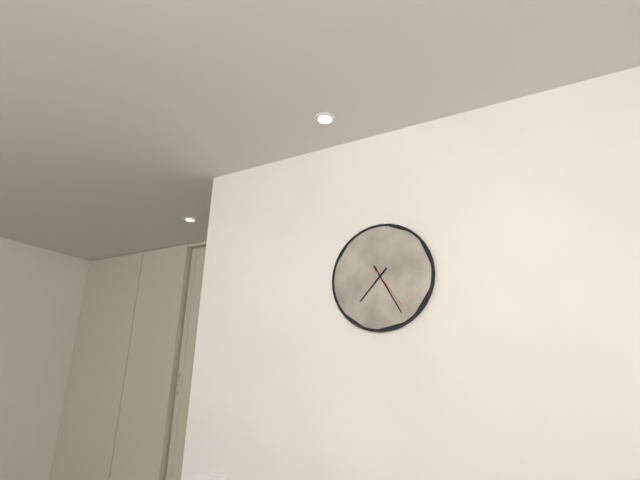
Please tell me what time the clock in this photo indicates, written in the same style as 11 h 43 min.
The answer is 7 h 25 min
